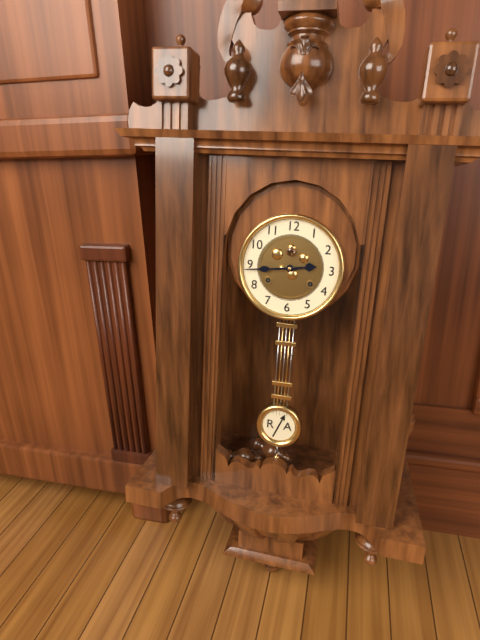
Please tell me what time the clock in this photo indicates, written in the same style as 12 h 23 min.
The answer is 2 h 44 min
